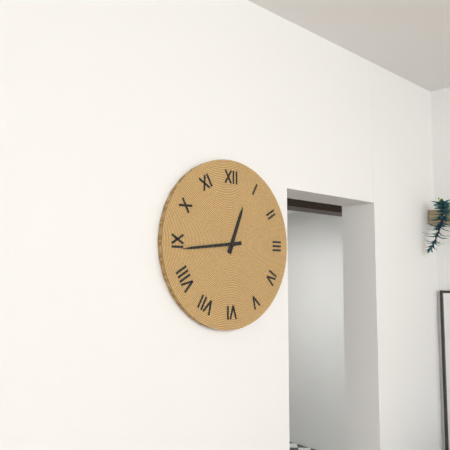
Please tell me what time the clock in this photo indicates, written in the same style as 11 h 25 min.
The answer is 12 h 44 min
